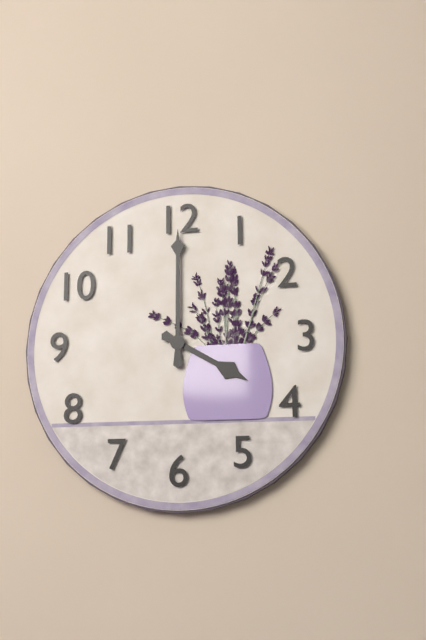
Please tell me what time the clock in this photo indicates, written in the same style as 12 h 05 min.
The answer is 4 h 00 min
